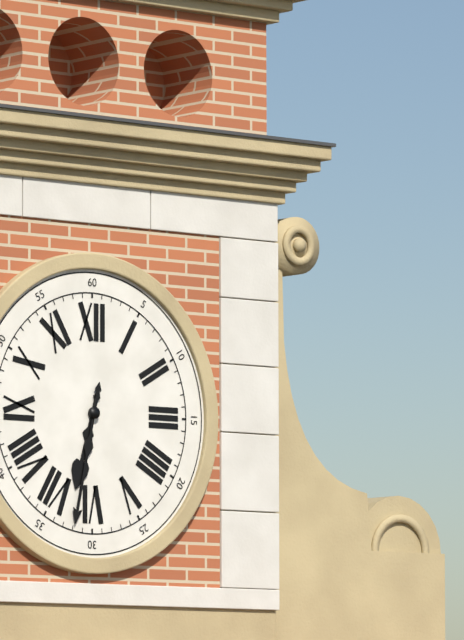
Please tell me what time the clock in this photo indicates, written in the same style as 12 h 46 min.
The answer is 6 h 32 min
